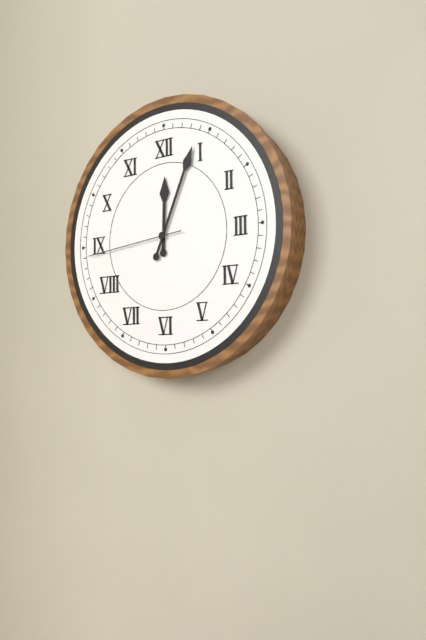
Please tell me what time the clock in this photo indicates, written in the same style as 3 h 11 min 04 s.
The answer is 12 h 04 min 44 s
